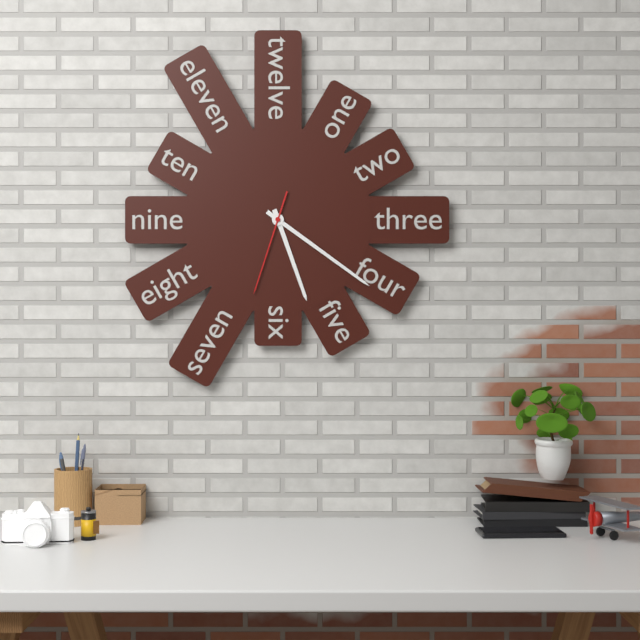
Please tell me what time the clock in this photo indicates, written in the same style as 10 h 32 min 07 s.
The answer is 5 h 21 min 33 s
